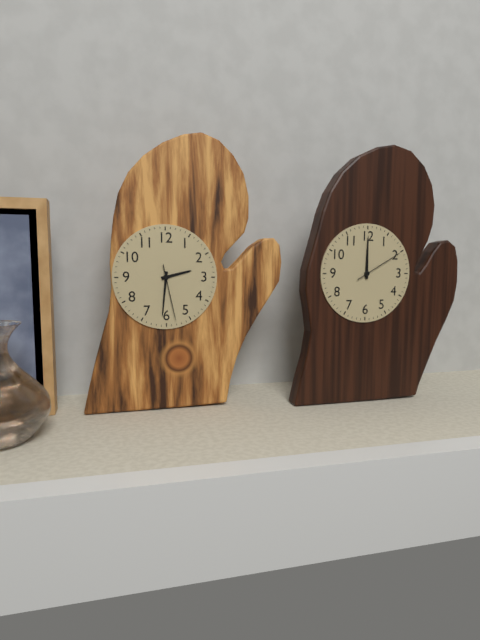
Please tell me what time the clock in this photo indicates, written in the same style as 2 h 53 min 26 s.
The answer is 2 h 31 min 28 s
